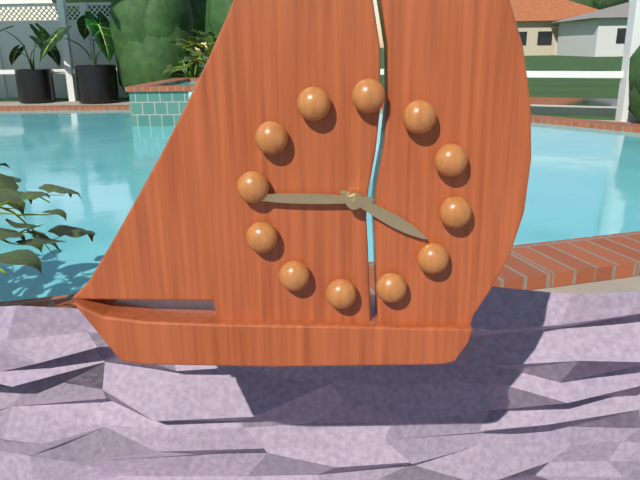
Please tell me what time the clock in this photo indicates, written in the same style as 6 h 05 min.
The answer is 3 h 44 min
